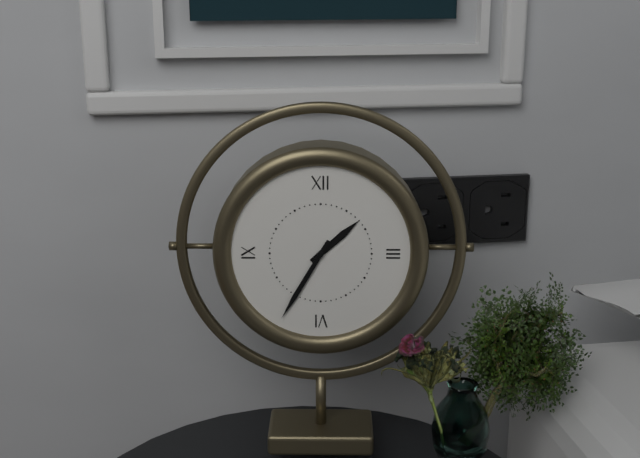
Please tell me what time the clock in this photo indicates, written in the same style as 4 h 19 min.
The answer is 1 h 35 min
